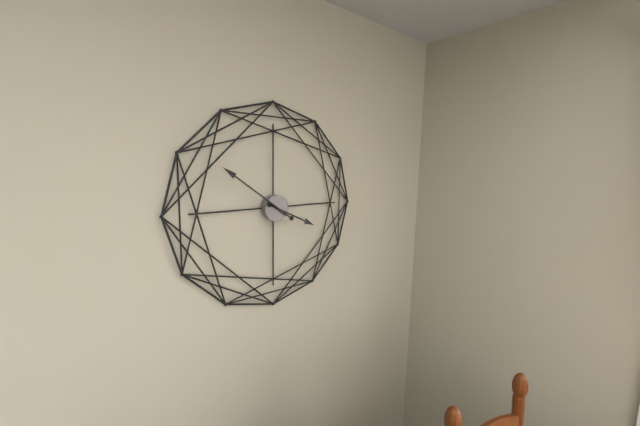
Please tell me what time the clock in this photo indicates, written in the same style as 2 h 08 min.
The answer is 3 h 51 min
